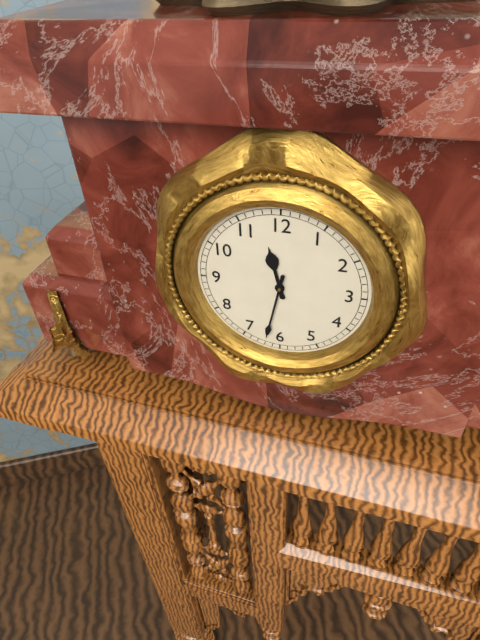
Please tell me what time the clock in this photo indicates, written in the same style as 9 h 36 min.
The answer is 11 h 32 min
